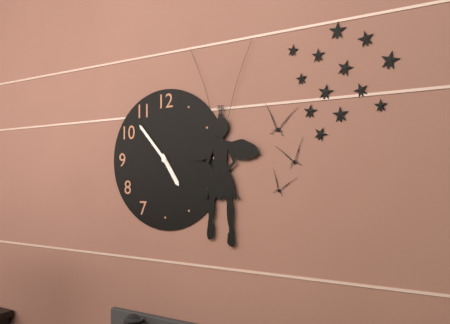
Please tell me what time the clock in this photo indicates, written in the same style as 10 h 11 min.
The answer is 4 h 53 min
